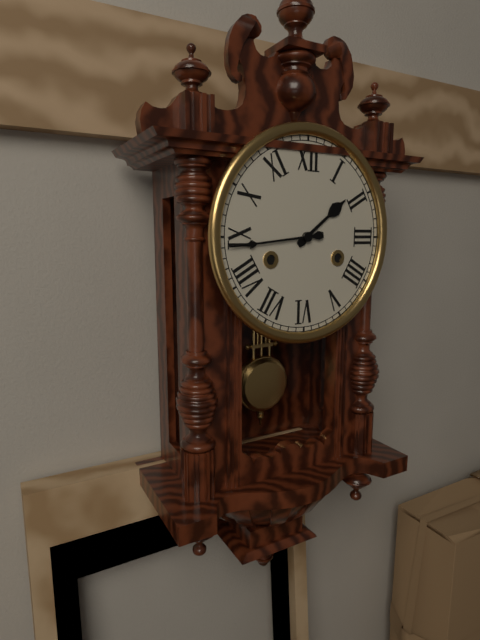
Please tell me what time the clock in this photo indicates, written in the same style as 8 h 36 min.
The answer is 1 h 44 min
